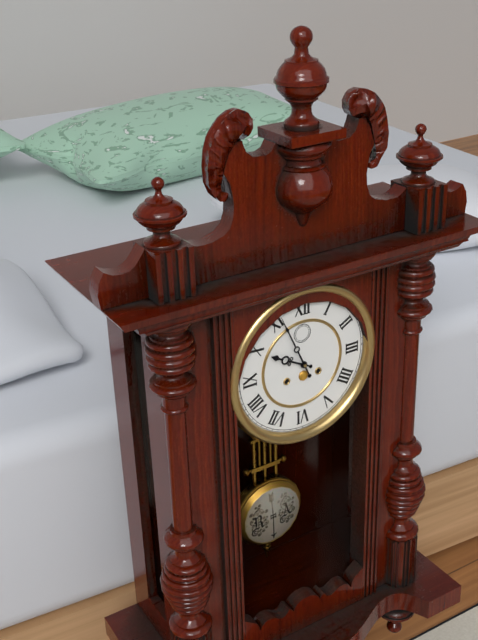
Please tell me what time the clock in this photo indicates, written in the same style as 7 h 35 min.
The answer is 9 h 56 min
